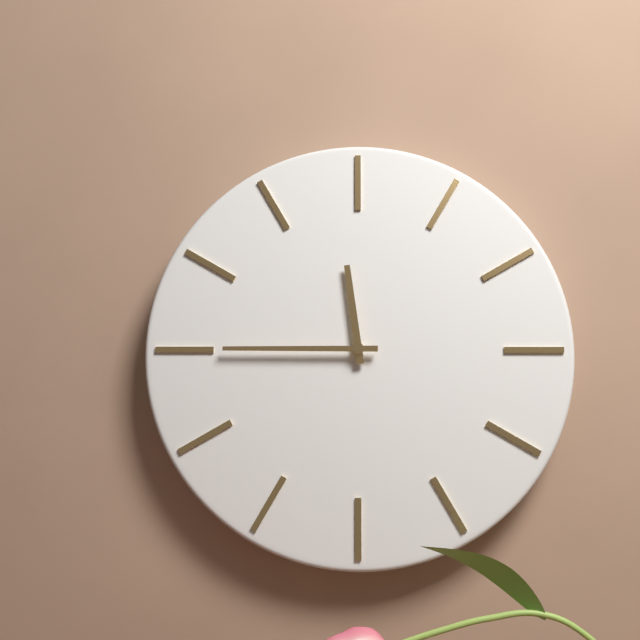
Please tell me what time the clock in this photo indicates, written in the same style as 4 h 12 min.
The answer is 11 h 45 min
